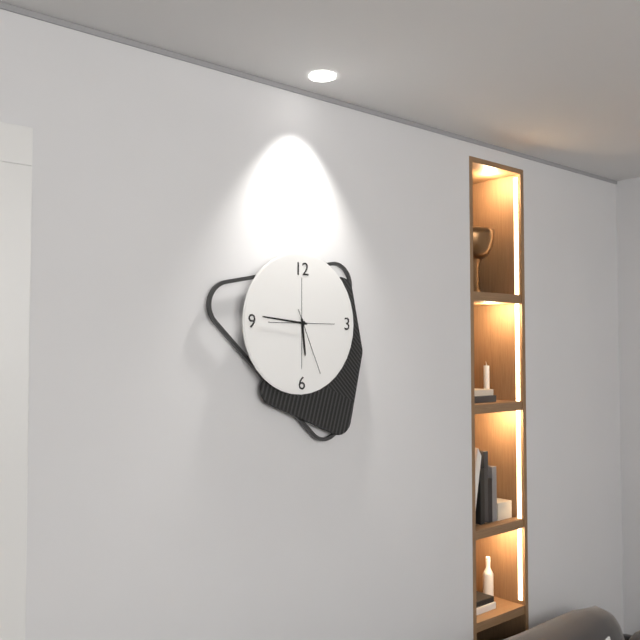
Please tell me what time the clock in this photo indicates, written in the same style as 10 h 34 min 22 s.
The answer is 5 h 46 min 26 s
